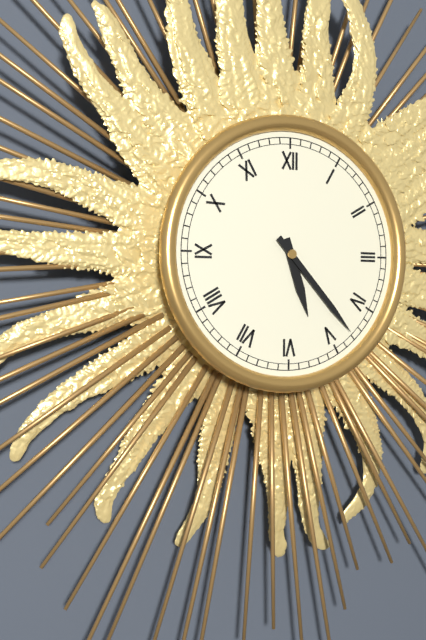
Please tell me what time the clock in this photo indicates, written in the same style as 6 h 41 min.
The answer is 5 h 23 min
